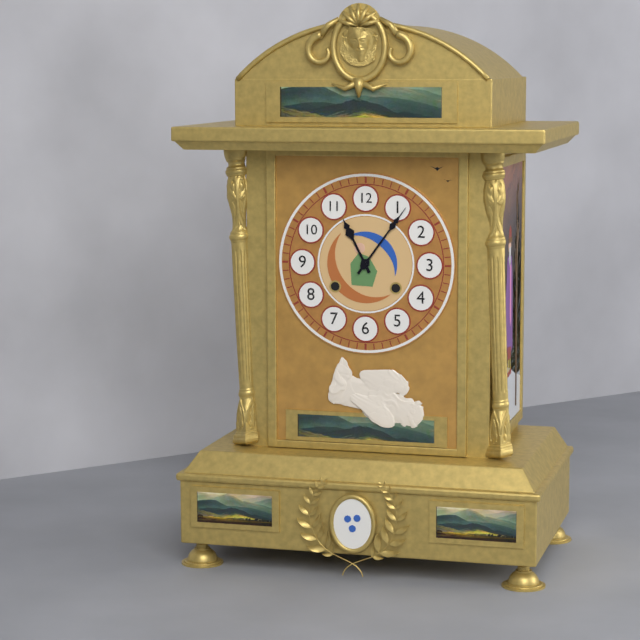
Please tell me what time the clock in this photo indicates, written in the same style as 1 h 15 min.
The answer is 11 h 06 min
